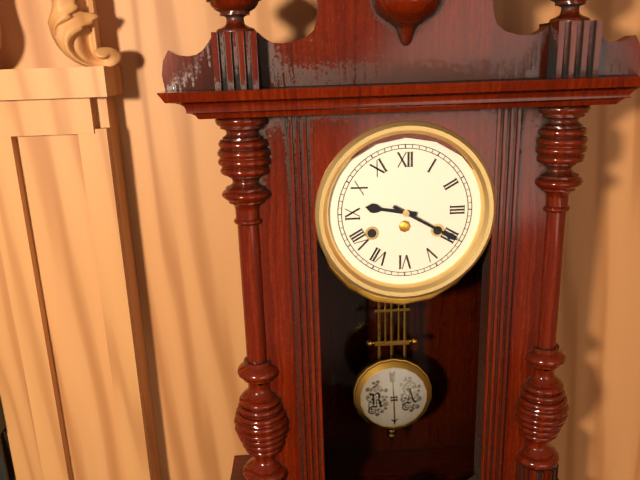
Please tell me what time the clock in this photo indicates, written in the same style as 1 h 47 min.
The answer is 9 h 20 min
